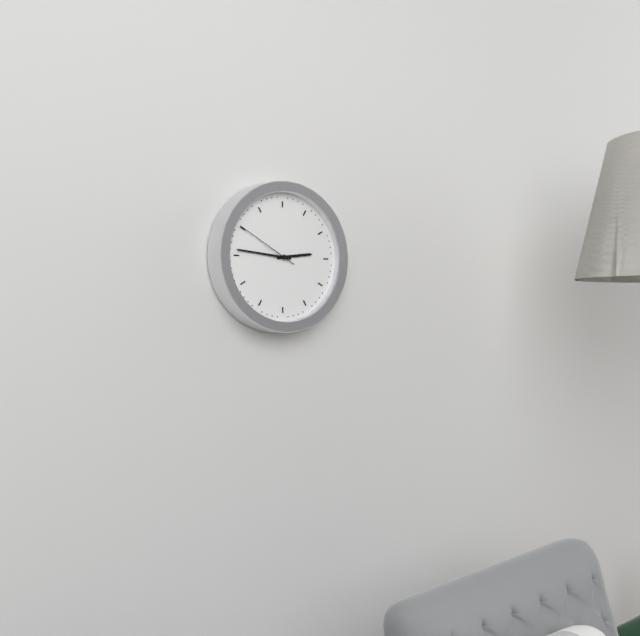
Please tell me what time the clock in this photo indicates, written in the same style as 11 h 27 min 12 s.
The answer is 2 h 46 min 50 s
